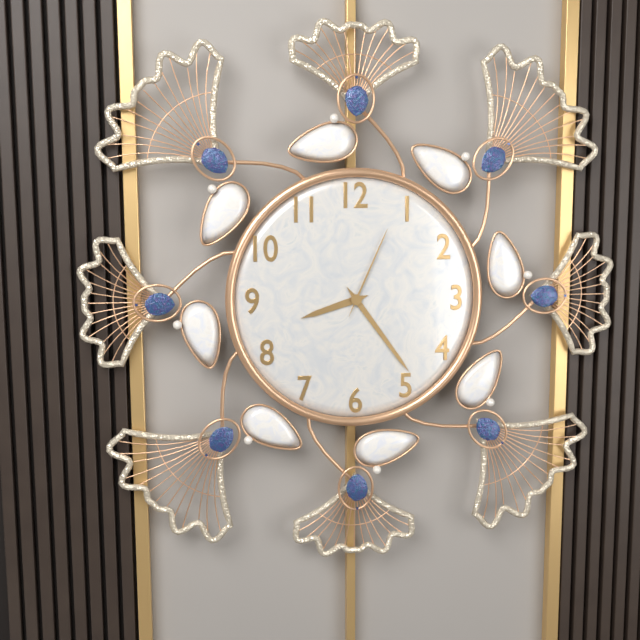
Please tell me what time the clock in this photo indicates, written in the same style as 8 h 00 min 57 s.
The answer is 8 h 24 min 04 s
